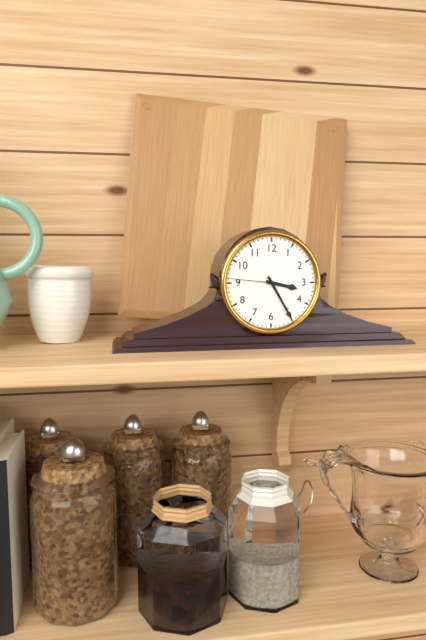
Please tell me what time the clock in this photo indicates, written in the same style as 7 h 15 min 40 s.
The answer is 3 h 25 min 46 s
